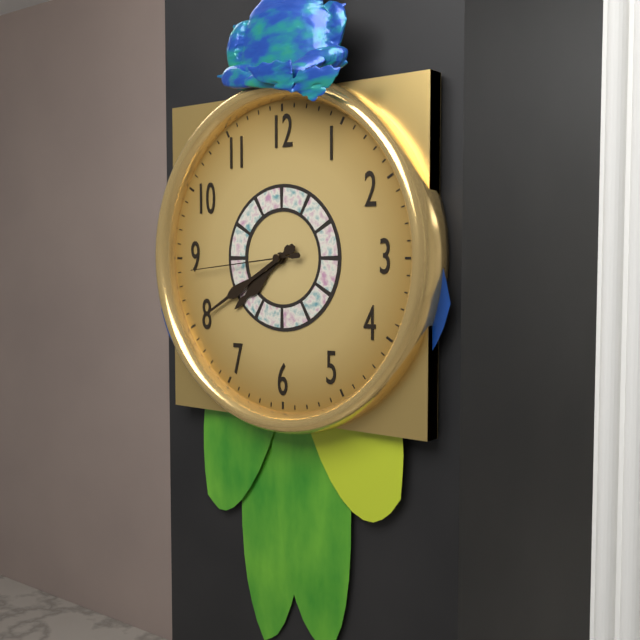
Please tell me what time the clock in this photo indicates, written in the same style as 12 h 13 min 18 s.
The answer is 7 h 40 min 44 s
